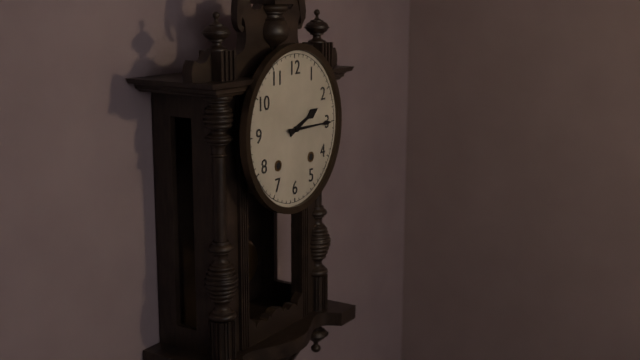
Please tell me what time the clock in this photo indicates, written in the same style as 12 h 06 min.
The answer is 2 h 15 min
